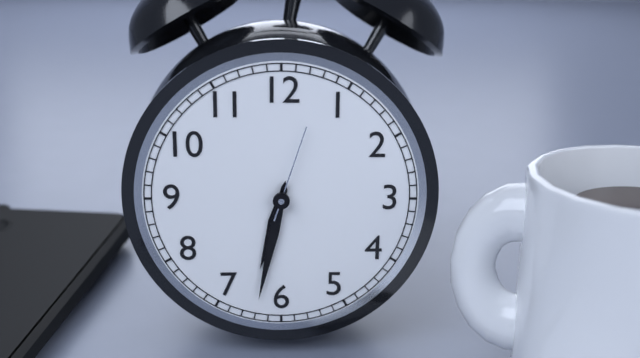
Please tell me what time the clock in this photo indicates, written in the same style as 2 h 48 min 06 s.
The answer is 6 h 32 min 03 s
